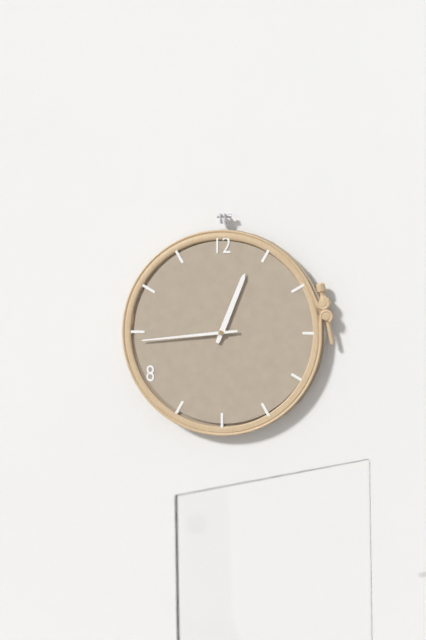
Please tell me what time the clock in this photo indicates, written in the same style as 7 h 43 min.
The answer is 12 h 44 min
